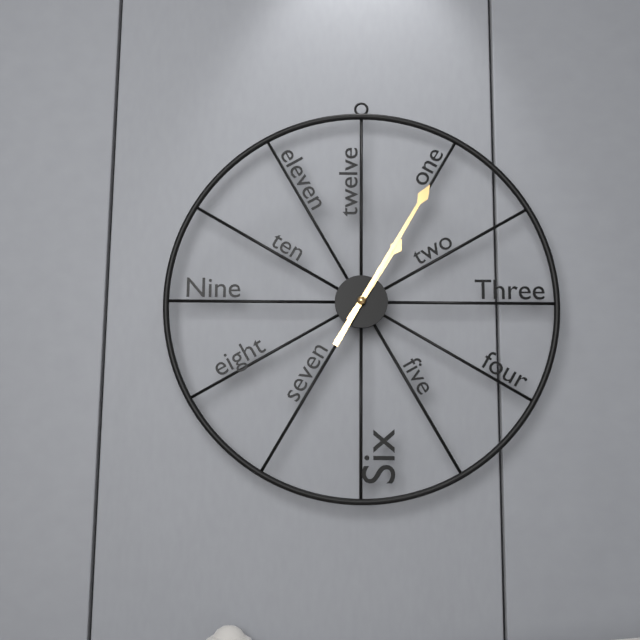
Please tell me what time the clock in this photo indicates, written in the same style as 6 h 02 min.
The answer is 1 h 05 min
